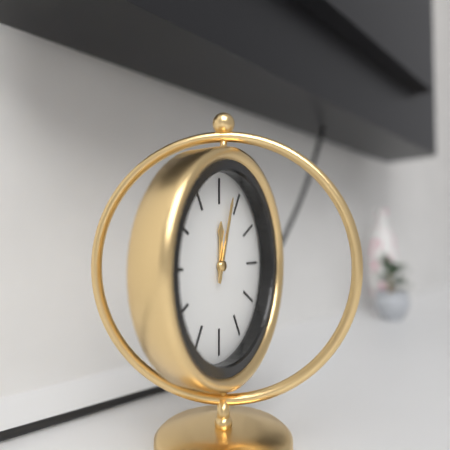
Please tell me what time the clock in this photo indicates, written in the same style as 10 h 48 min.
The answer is 12 h 03 min
